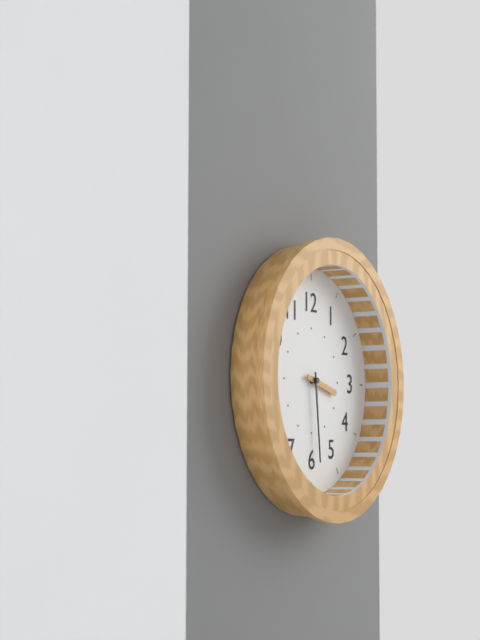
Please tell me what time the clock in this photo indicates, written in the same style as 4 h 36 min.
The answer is 3 h 29 min
